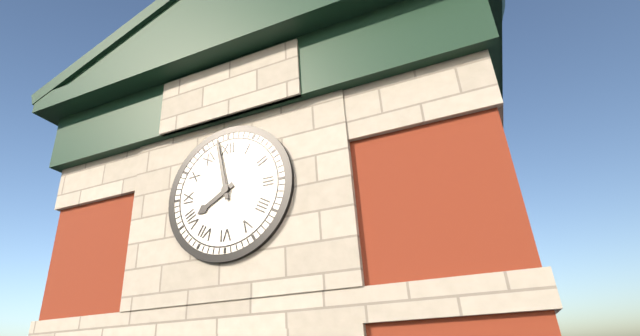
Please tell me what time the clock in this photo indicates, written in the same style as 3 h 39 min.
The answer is 7 h 58 min
